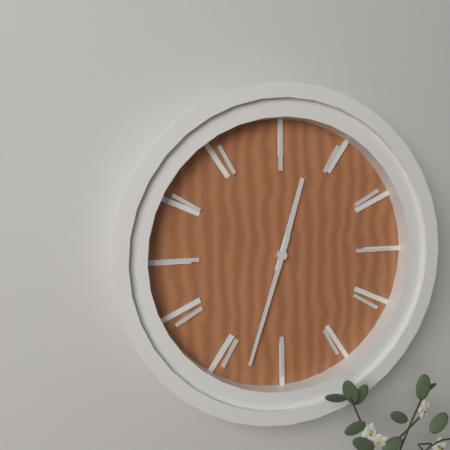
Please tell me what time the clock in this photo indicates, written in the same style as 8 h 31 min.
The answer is 12 h 33 min
